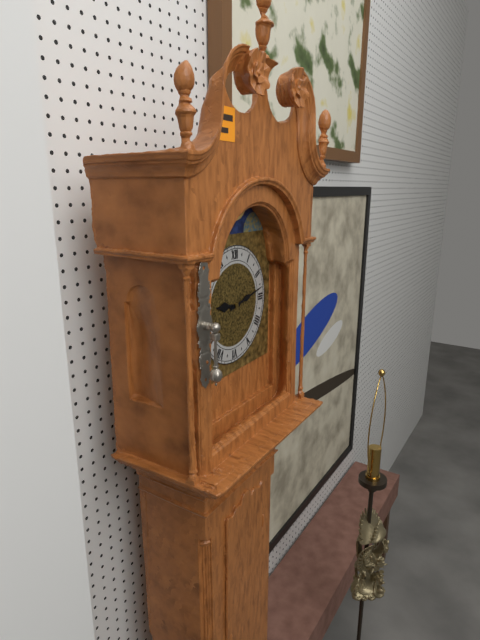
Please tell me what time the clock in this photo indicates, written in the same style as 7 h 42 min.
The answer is 9 h 13 min
